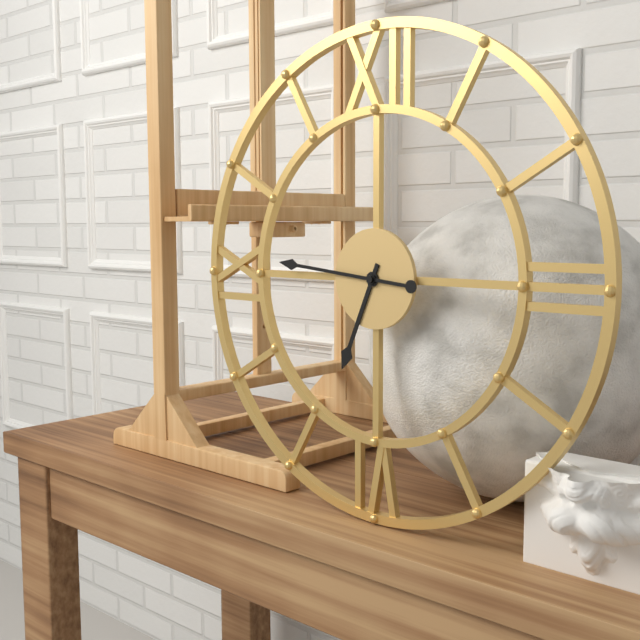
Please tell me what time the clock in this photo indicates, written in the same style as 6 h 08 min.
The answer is 6 h 46 min
